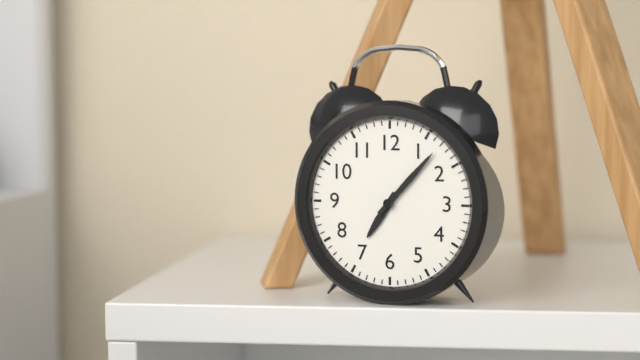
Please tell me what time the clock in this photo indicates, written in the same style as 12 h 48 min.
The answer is 7 h 07 min
